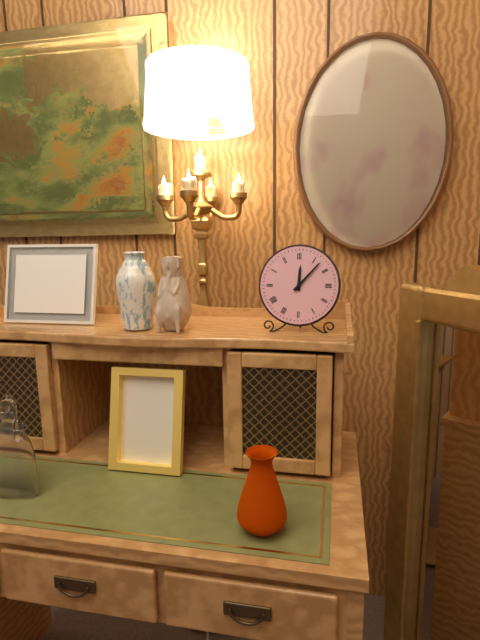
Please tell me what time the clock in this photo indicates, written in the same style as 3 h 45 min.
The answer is 12 h 07 min
